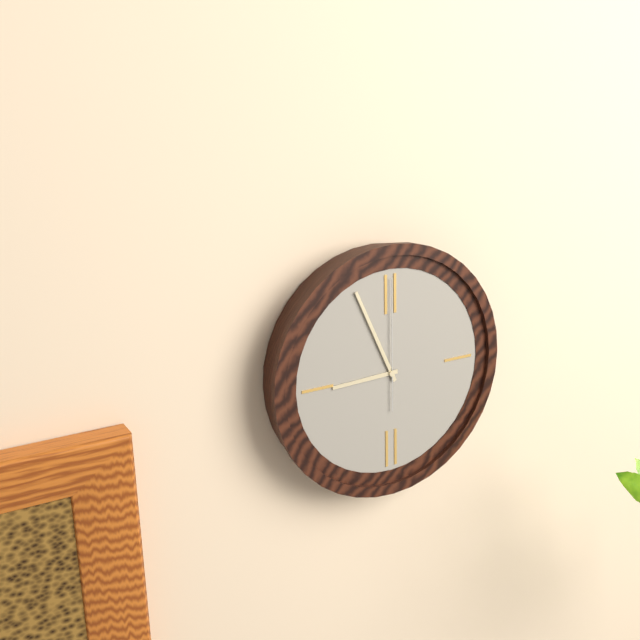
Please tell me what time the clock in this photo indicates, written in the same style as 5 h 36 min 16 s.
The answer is 8 h 56 min 00 s
